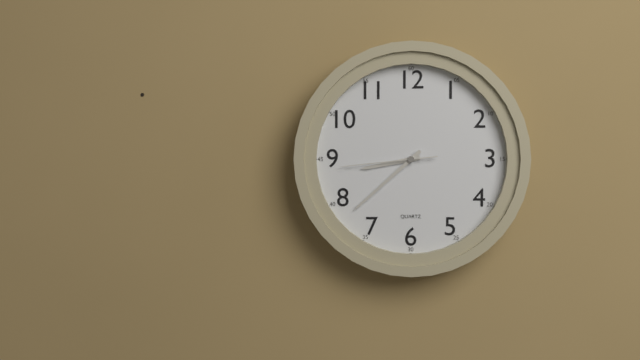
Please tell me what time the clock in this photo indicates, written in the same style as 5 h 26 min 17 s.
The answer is 8 h 38 min 44 s
